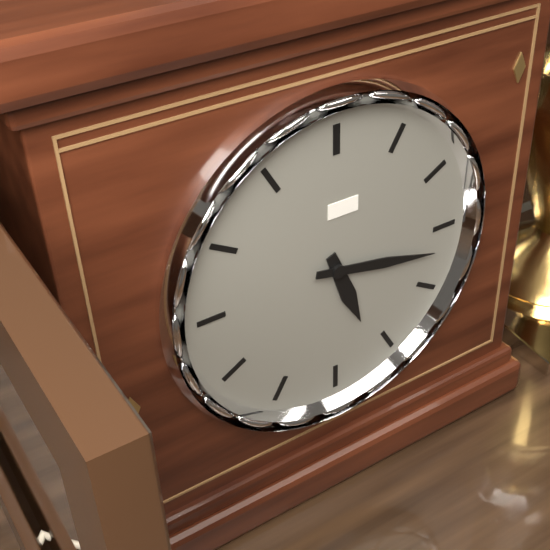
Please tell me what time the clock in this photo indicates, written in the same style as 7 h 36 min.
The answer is 5 h 17 min
